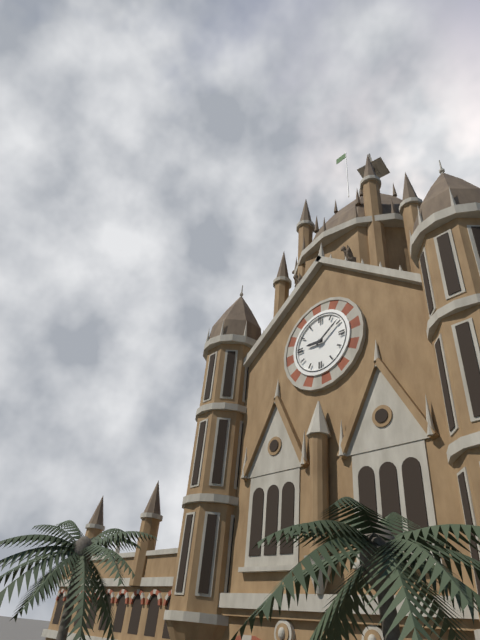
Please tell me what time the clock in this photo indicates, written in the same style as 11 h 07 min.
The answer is 9 h 09 min
